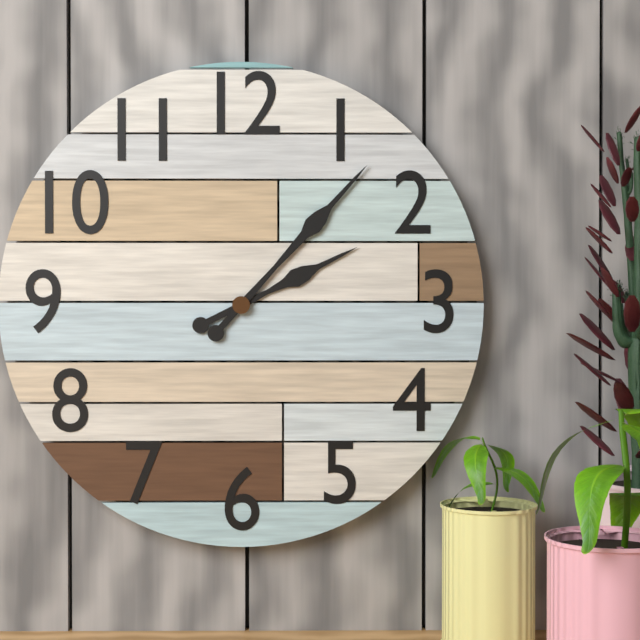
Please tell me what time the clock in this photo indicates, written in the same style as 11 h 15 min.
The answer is 2 h 07 min
